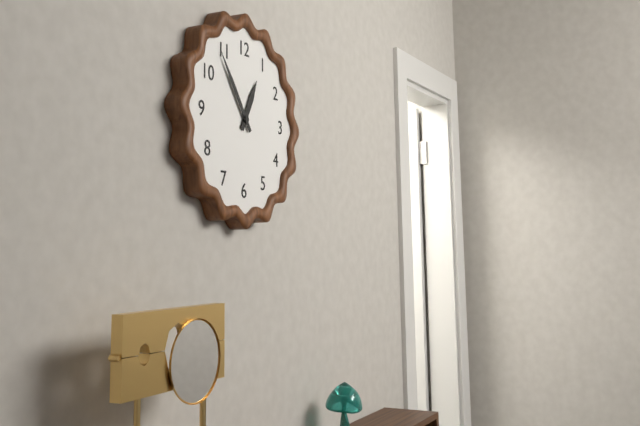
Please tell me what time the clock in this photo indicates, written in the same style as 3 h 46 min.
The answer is 12 h 54 min
